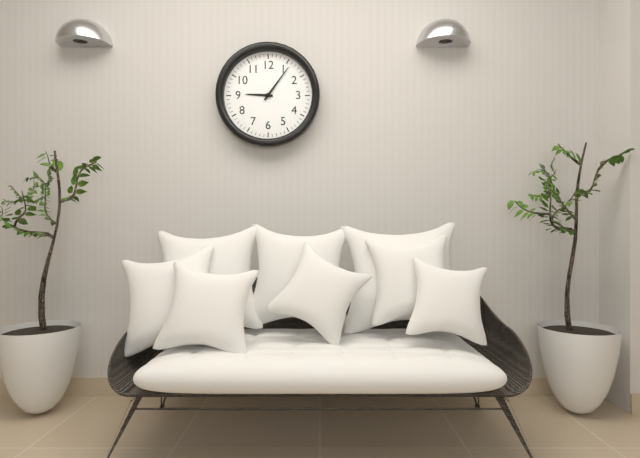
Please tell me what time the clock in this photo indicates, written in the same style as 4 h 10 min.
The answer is 9 h 06 min
